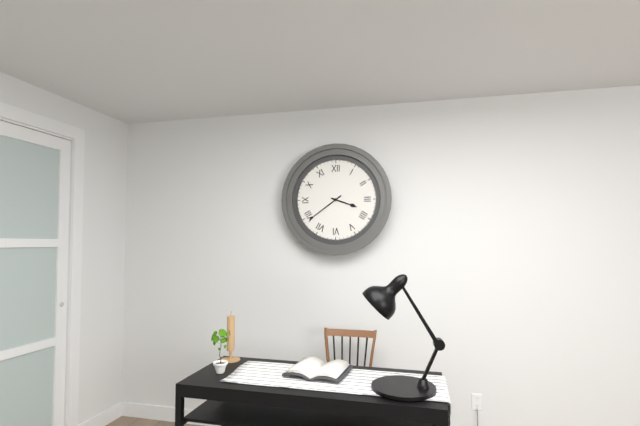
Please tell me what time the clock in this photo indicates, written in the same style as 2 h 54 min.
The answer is 3 h 39 min
